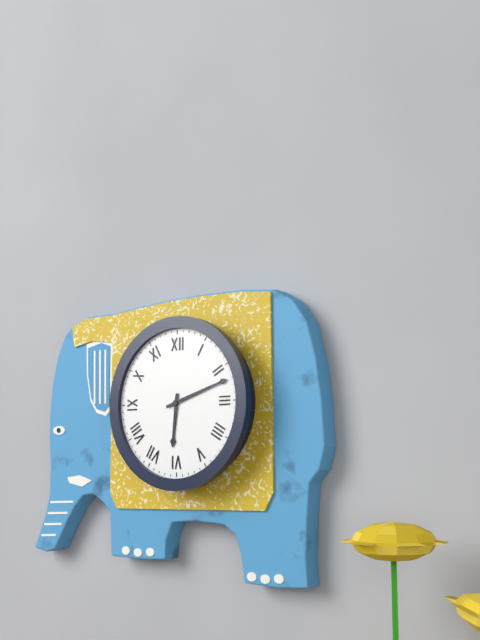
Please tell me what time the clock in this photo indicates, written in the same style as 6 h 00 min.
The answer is 6 h 12 min
